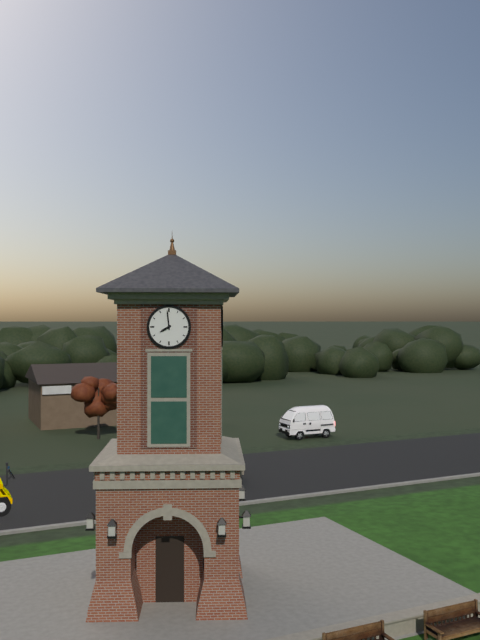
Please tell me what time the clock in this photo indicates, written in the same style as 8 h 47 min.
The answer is 7 h 59 min
